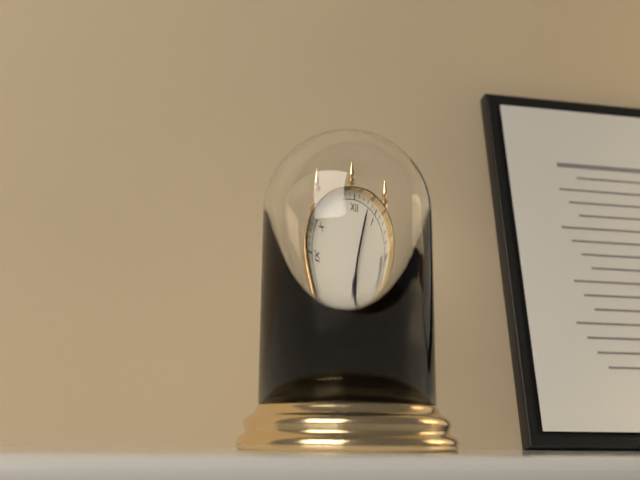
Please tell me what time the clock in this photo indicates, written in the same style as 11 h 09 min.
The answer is 7 h 03 min
